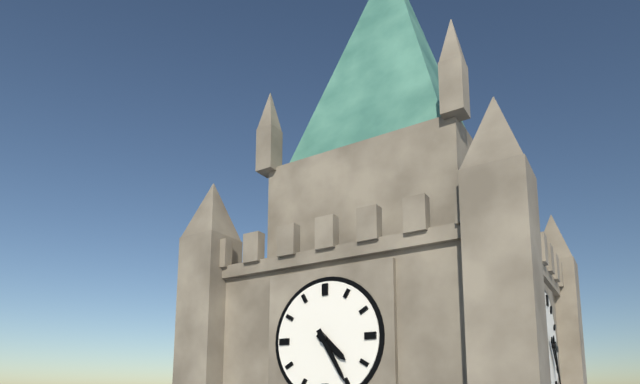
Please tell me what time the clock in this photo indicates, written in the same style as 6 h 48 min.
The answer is 4 h 25 min
